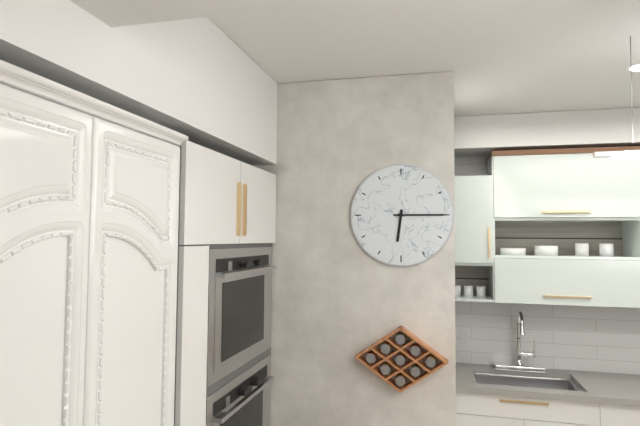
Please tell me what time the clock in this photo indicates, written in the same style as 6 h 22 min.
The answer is 6 h 15 min
